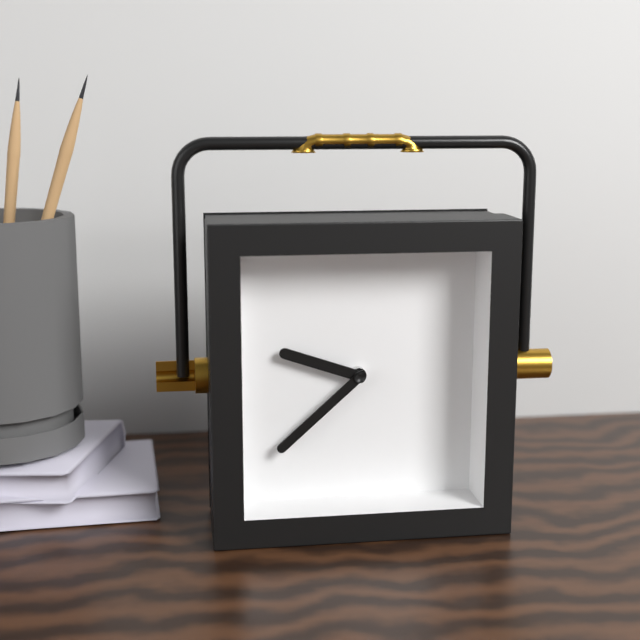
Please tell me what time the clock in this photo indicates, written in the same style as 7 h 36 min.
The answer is 9 h 38 min
